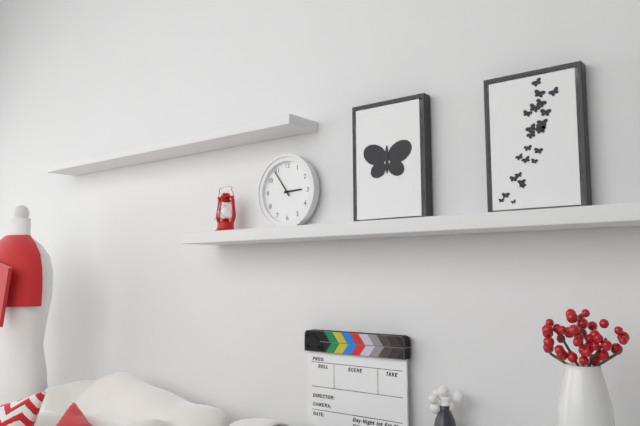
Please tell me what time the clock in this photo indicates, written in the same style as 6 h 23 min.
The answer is 2 h 54 min
